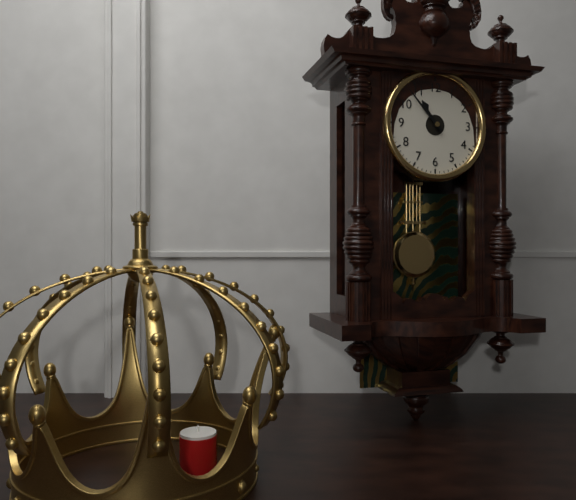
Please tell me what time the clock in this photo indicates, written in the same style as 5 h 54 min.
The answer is 10 h 53 min
